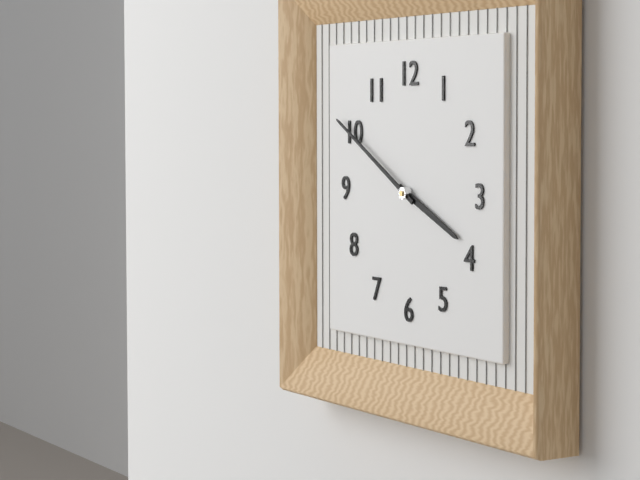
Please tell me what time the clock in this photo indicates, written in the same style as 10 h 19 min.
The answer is 3 h 50 min
